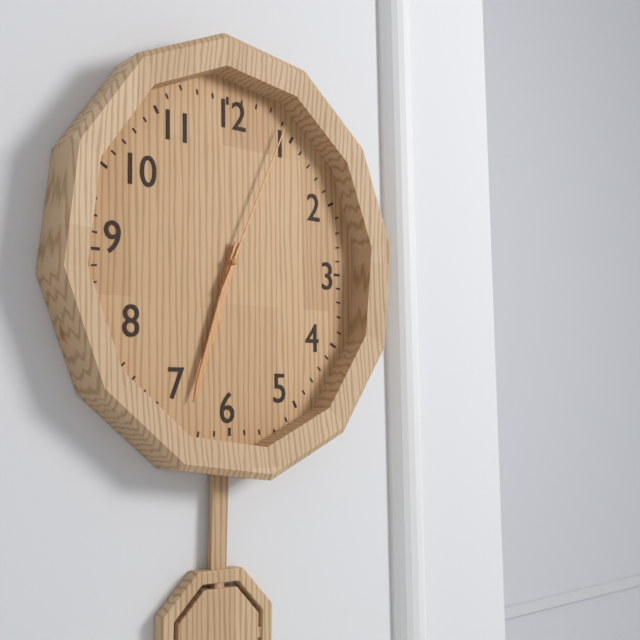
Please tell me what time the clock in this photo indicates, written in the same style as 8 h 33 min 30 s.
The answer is 6 h 33 min 04 s
